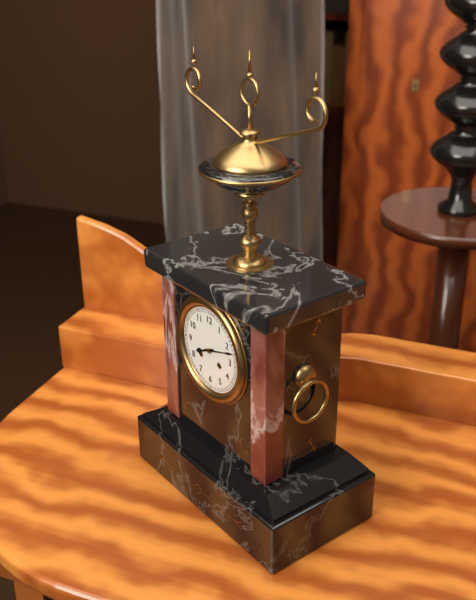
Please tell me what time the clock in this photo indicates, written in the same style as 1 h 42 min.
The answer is 8 h 12 min
